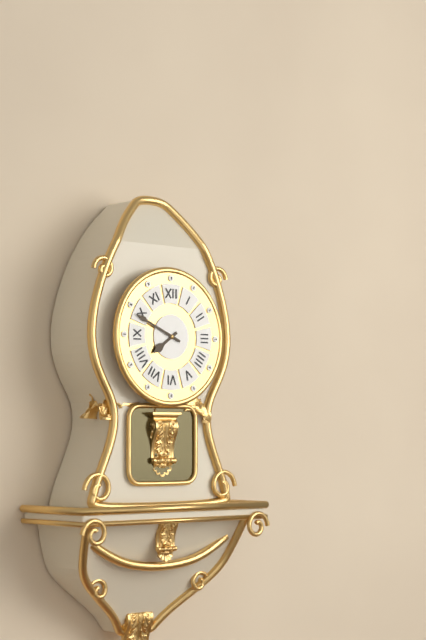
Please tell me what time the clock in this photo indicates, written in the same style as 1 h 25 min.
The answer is 7 h 49 min
